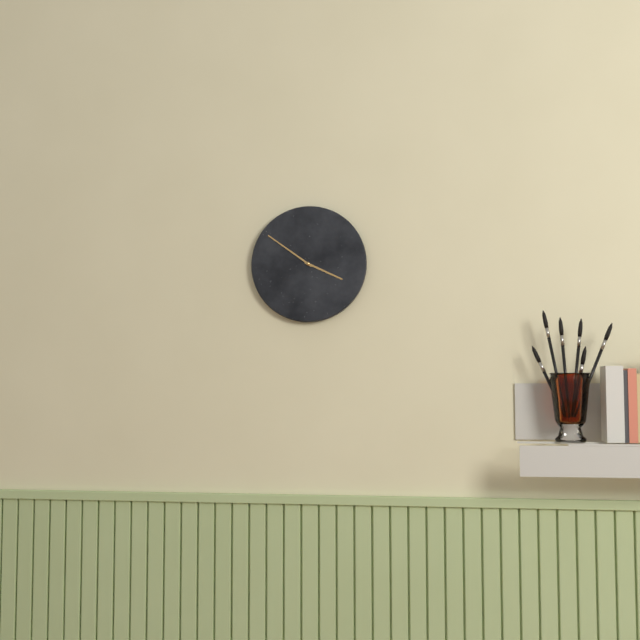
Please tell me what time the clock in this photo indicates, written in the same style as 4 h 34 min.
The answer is 3 h 51 min
